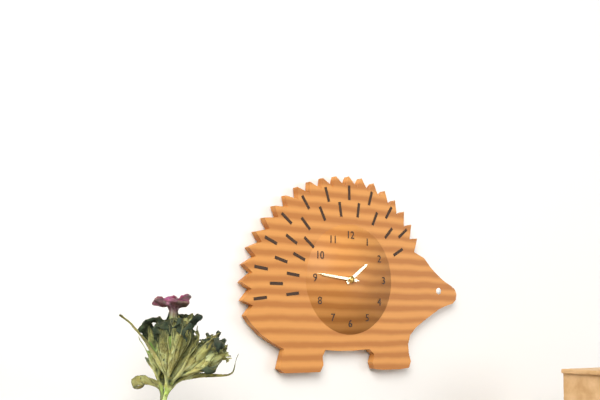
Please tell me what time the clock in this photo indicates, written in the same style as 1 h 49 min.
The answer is 1 h 46 min
